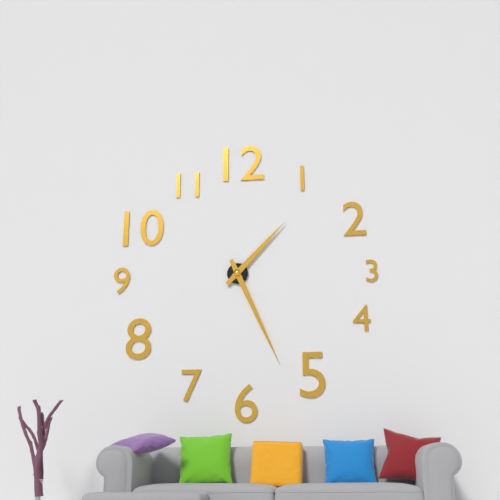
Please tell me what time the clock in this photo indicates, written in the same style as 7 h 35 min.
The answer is 1 h 26 min
